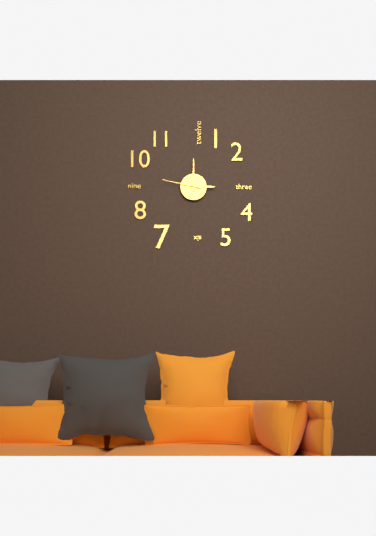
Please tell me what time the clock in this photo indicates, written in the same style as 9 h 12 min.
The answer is 3 h 00 min
